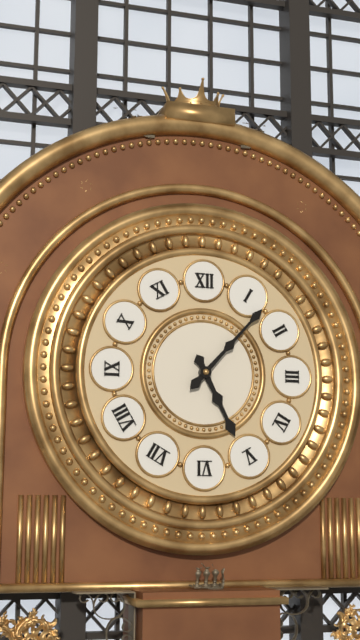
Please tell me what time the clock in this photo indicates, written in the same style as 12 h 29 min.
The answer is 5 h 07 min
